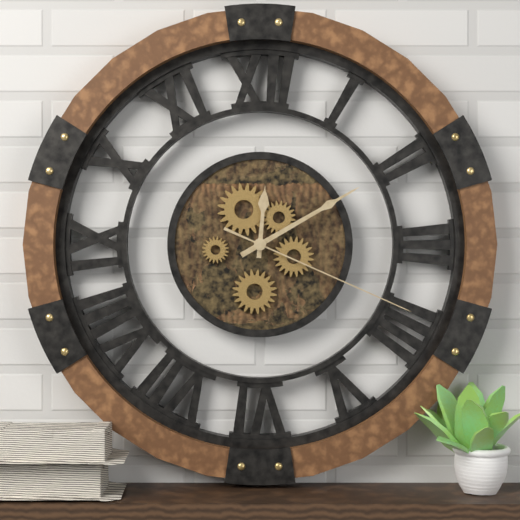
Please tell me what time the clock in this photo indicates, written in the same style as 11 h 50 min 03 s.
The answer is 12 h 10 min 19 s
